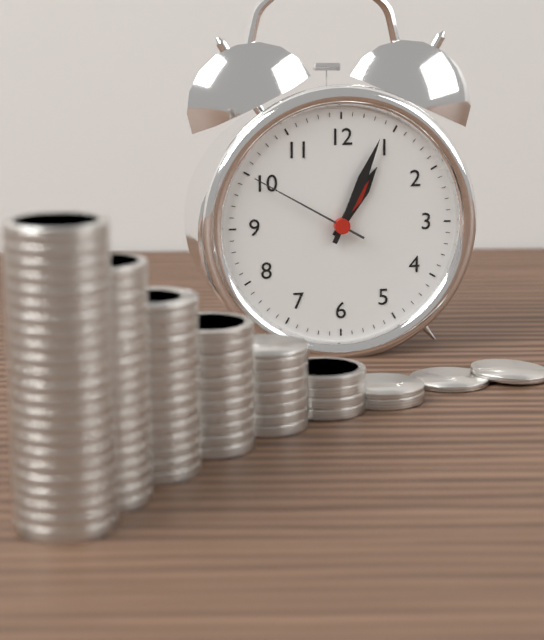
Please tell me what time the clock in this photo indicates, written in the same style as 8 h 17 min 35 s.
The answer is 1 h 04 min 50 s
